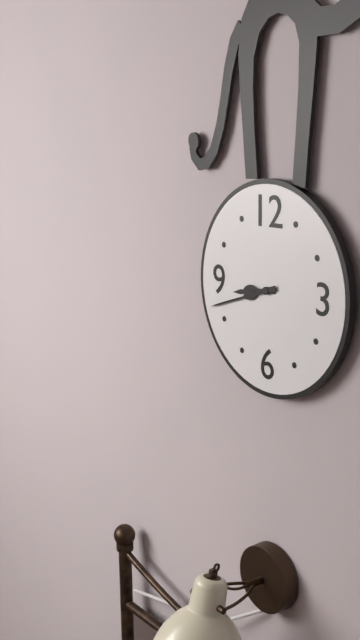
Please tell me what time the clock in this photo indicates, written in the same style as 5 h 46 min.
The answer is 8 h 42 min
